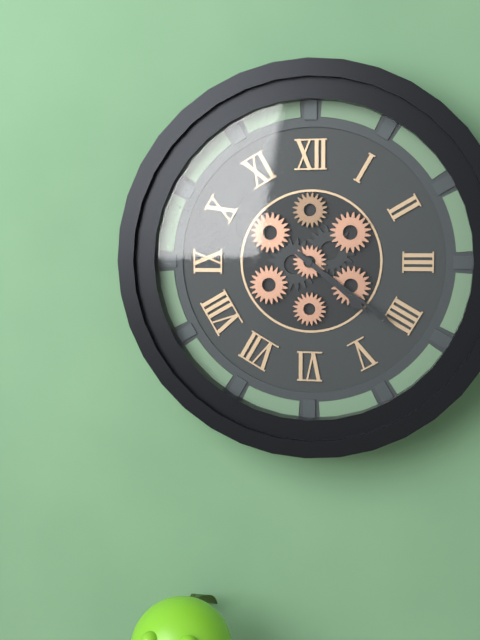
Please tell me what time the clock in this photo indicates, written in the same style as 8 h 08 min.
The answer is 4 h 21 min
